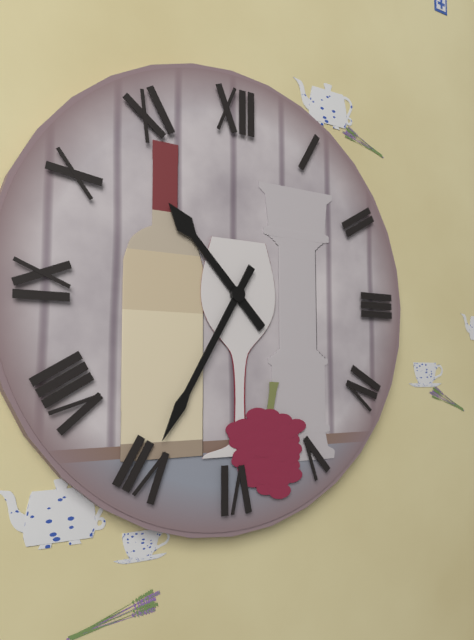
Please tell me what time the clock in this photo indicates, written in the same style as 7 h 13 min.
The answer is 10 h 35 min
